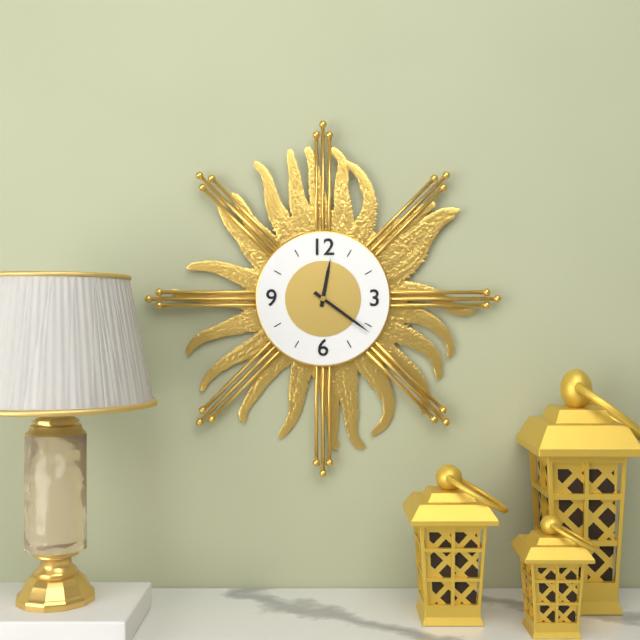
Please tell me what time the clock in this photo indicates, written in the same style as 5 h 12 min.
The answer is 12 h 21 min
